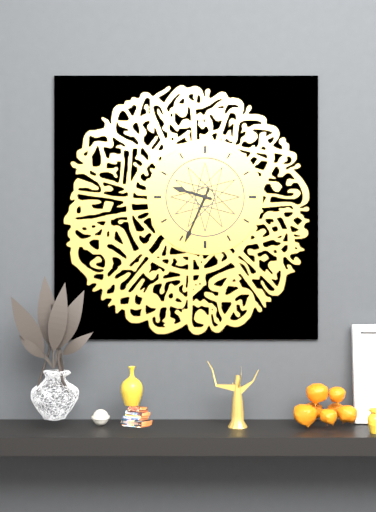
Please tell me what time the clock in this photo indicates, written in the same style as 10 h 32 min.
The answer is 9 h 34 min
